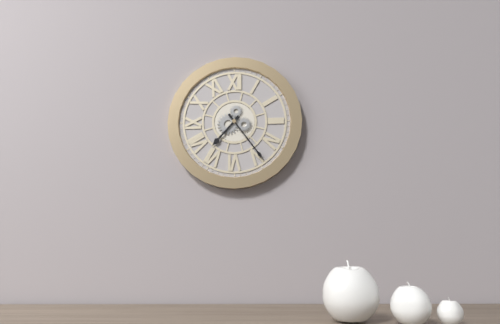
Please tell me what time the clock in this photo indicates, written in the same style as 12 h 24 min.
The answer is 7 h 24 min
